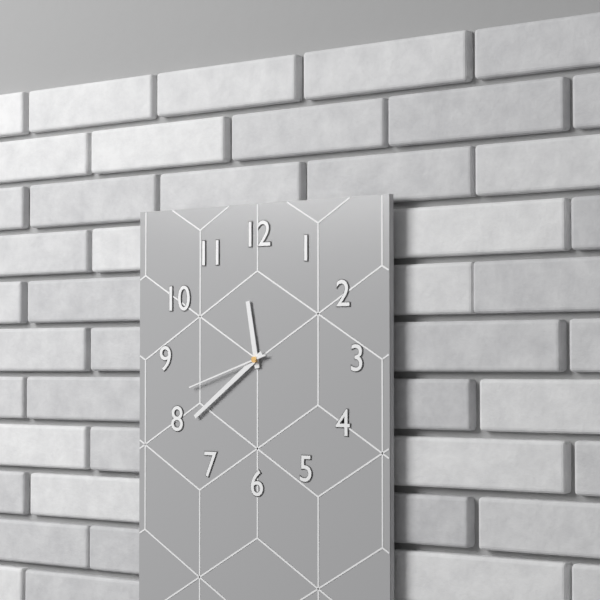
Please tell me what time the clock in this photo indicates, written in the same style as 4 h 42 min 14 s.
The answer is 11 h 39 min 42 s
